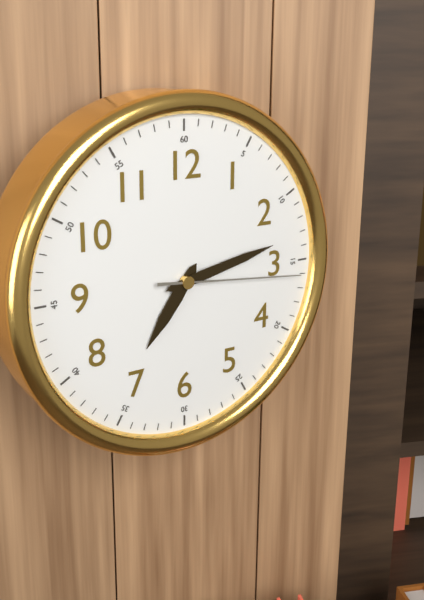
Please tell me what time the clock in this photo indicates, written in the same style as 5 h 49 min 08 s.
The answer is 7 h 13 min 16 s
